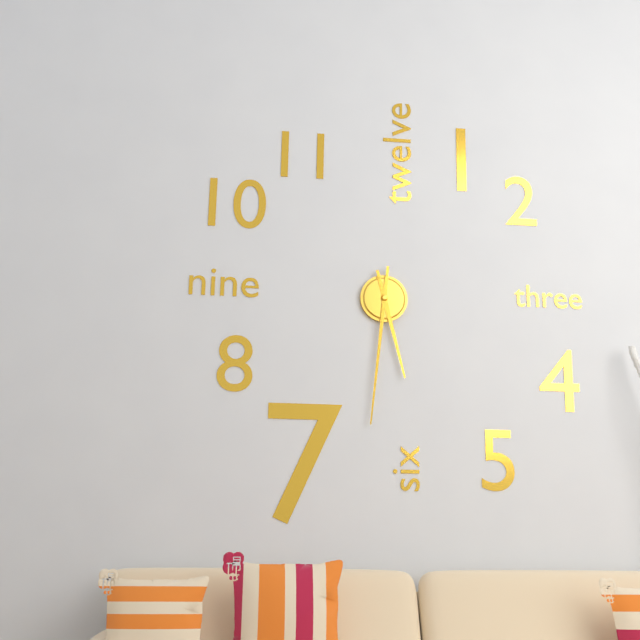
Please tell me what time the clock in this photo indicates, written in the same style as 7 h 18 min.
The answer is 5 h 31 min
